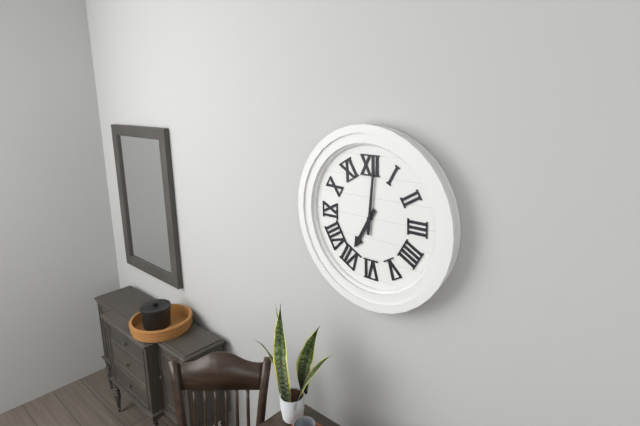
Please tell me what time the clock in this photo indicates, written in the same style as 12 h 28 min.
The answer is 7 h 01 min
